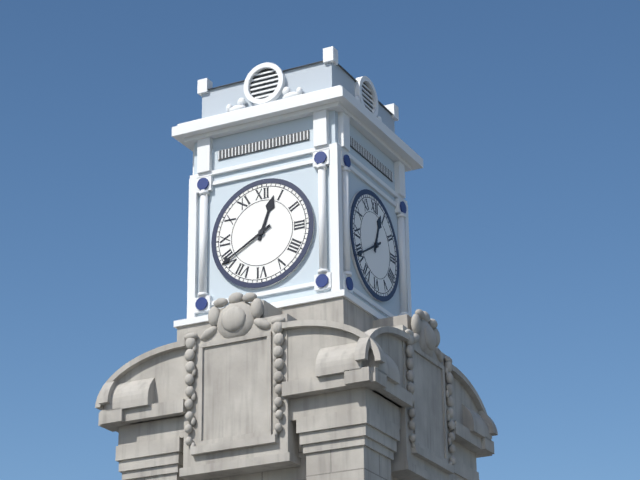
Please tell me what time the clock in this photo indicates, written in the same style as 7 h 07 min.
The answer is 12 h 40 min
